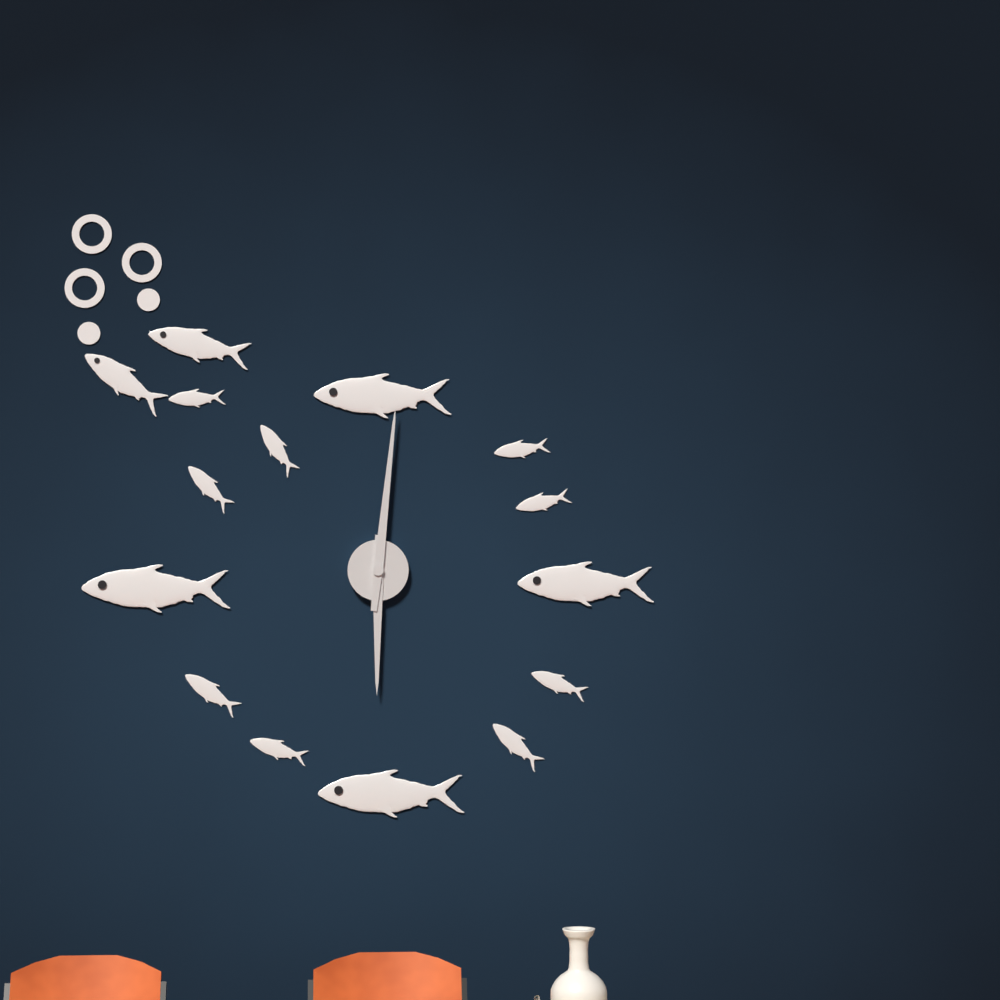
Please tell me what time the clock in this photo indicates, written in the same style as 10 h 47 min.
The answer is 6 h 01 min
